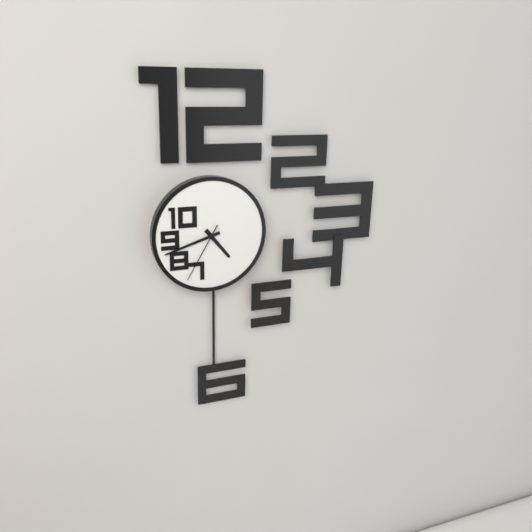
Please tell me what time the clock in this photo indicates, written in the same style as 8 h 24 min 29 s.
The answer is 4 h 42 min 35 s
